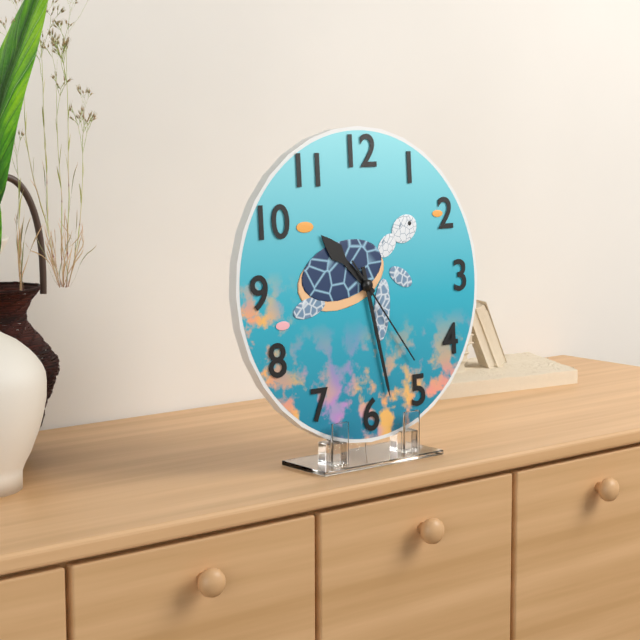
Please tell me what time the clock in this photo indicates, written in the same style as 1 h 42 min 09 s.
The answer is 10 h 28 min 24 s
